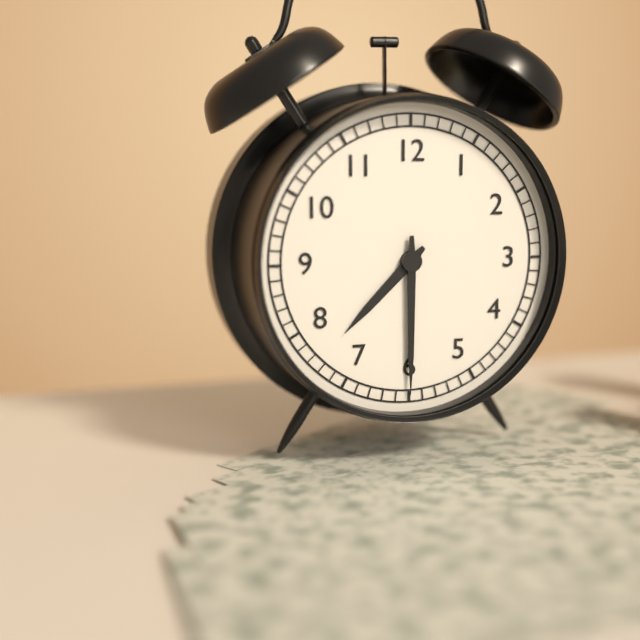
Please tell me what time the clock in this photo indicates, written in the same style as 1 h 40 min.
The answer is 7 h 30 min
